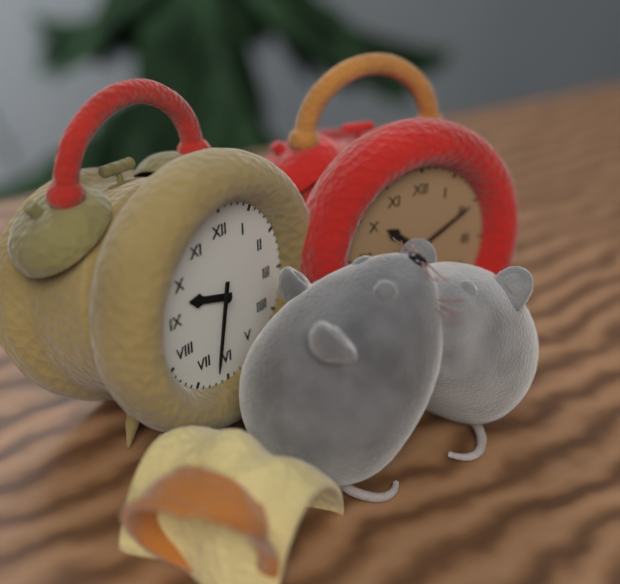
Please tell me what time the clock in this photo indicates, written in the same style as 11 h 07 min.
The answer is 9 h 32 min
